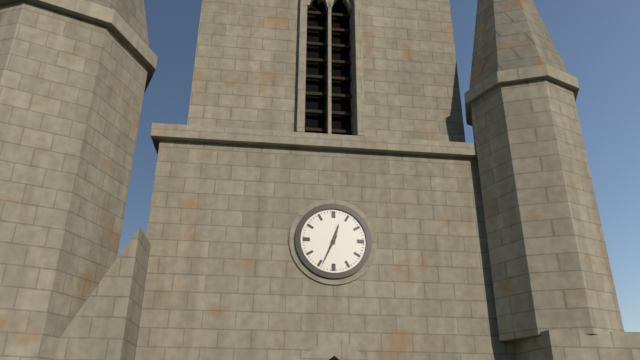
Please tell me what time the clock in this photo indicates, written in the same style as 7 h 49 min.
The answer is 12 h 34 min
